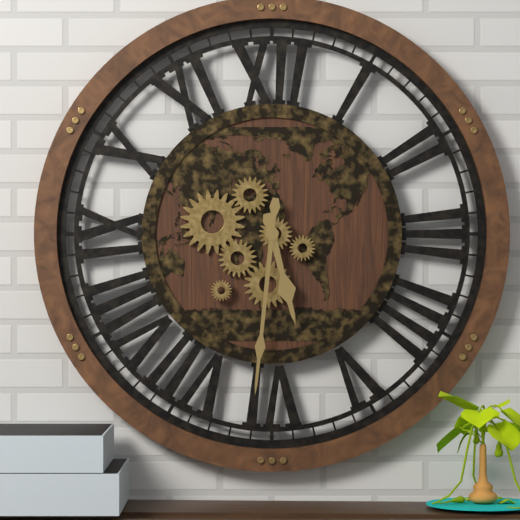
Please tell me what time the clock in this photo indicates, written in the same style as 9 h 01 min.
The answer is 5 h 31 min
